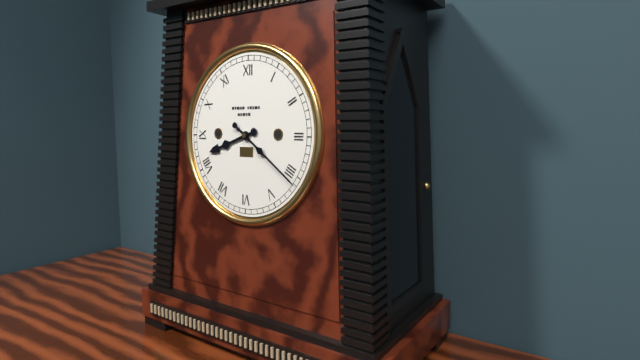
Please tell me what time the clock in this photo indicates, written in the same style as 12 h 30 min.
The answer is 8 h 21 min
